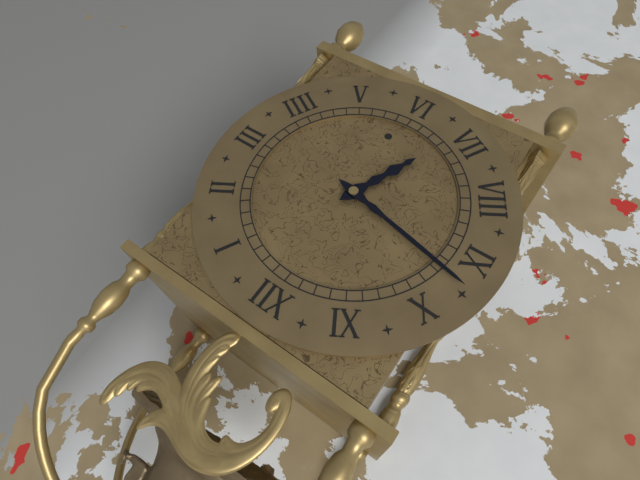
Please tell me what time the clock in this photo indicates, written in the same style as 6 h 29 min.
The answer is 6 h 47 min
